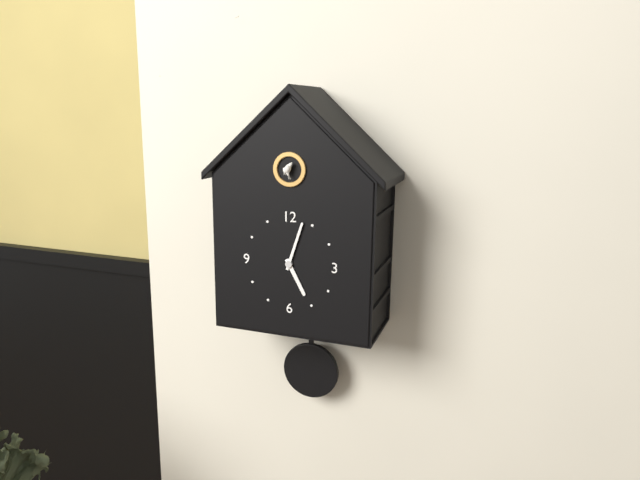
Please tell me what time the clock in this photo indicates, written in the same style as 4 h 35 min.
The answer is 5 h 03 min
